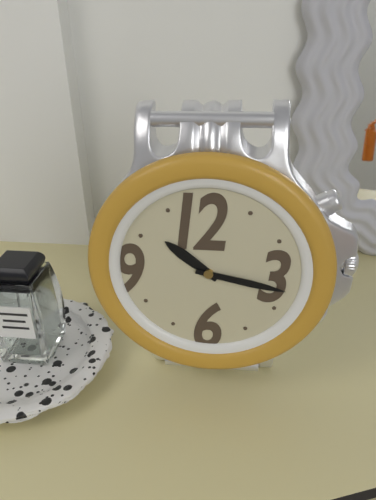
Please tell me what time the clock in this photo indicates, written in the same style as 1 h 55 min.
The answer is 10 h 17 min
